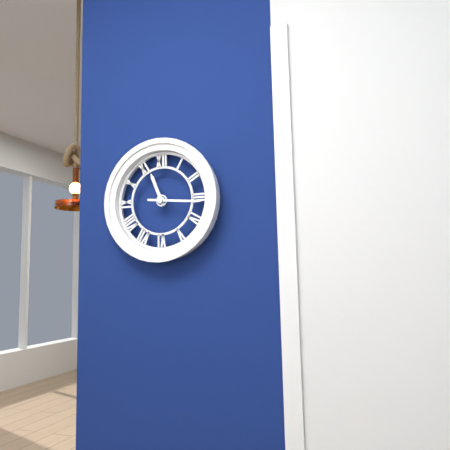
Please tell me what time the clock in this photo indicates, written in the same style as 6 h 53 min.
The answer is 11 h 16 min
